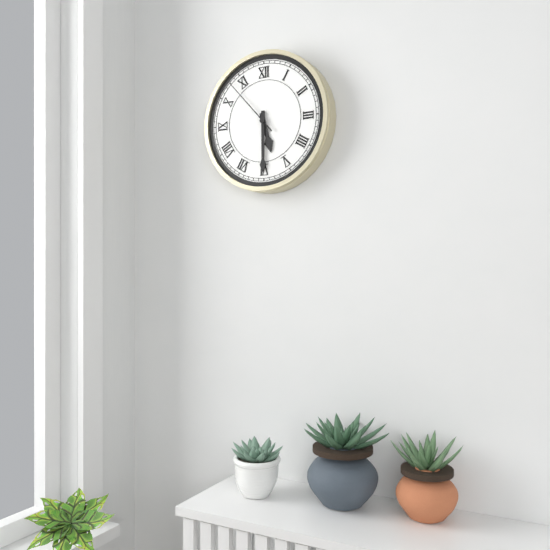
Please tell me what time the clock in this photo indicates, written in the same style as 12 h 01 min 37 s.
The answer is 5 h 30 min 53 s
